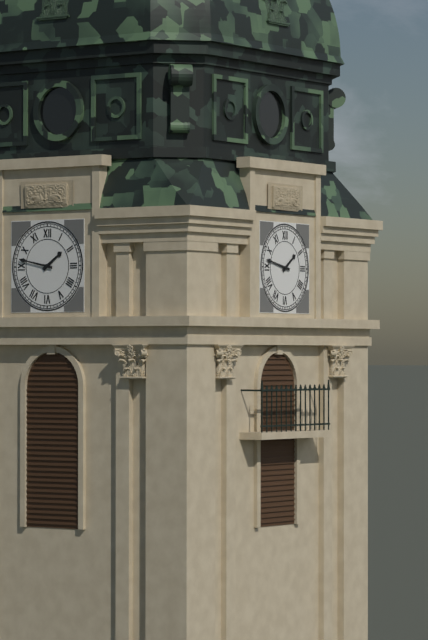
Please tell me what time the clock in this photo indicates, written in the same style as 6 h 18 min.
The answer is 1 h 47 min
